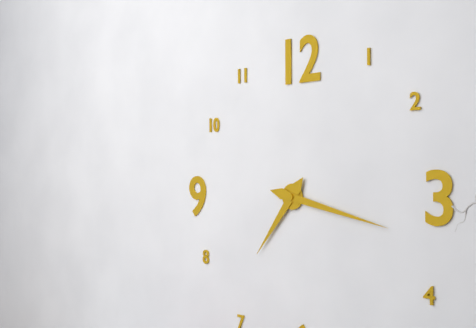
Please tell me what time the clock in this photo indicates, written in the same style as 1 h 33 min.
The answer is 7 h 17 min
